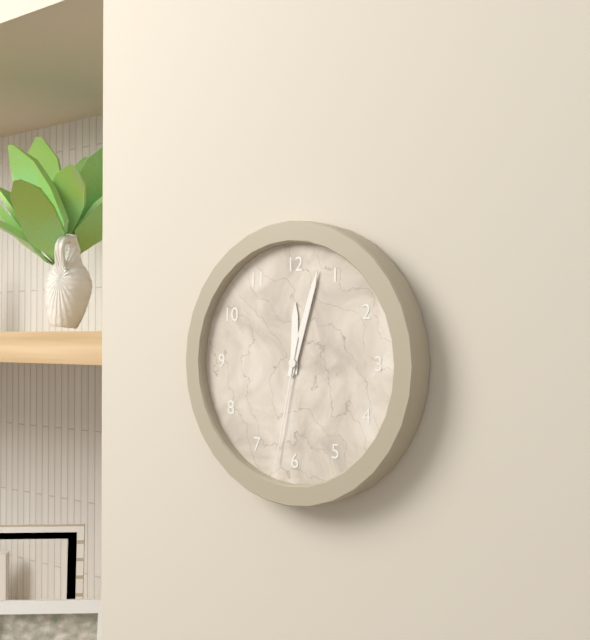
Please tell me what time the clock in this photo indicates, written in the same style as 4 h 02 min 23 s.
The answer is 12 h 03 min 32 s
